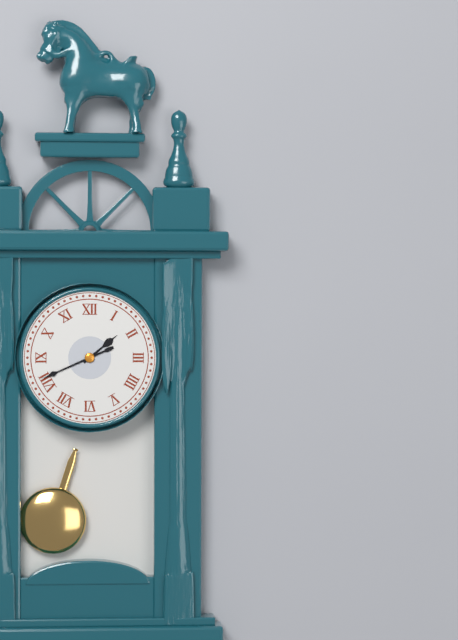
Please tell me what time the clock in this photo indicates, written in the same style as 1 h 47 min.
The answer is 1 h 41 min
